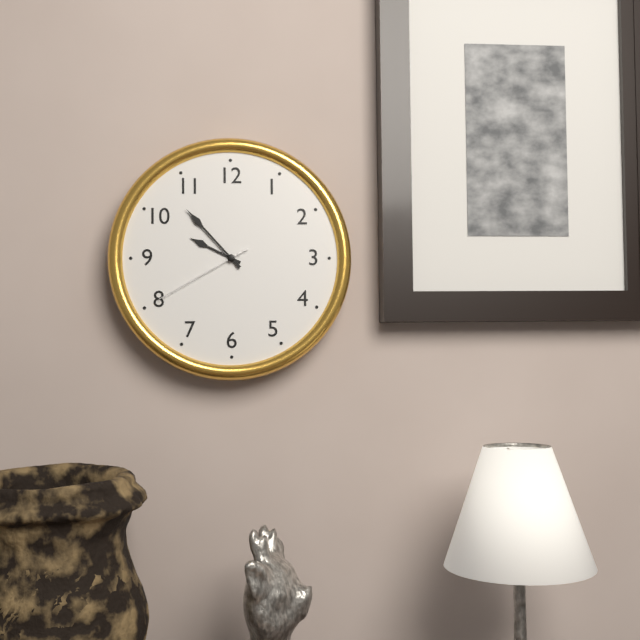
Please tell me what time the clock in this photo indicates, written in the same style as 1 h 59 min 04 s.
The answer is 9 h 53 min 40 s
